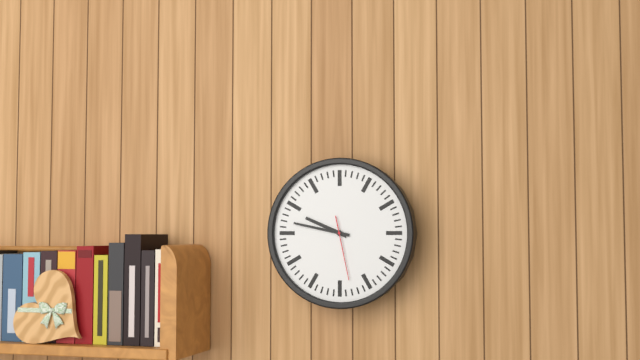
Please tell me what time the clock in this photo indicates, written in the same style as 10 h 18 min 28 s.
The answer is 9 h 47 min 28 s
